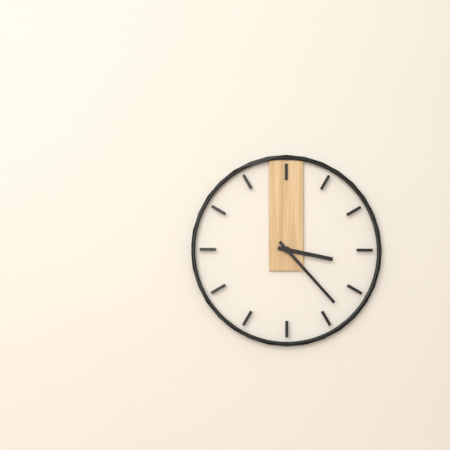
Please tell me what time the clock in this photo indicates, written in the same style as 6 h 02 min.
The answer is 3 h 23 min
